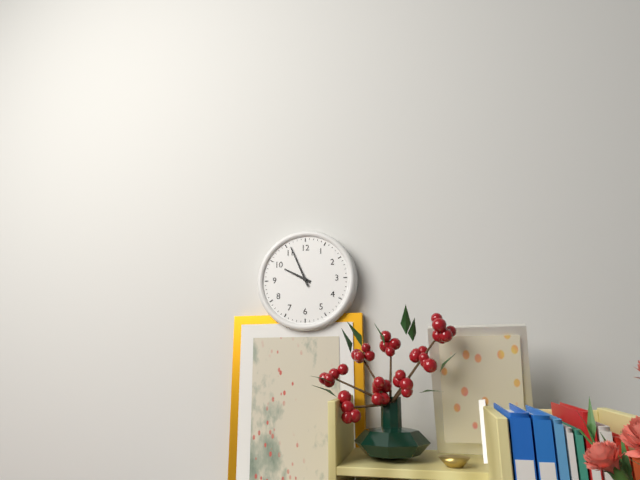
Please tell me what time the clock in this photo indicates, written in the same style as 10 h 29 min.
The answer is 9 h 56 min
